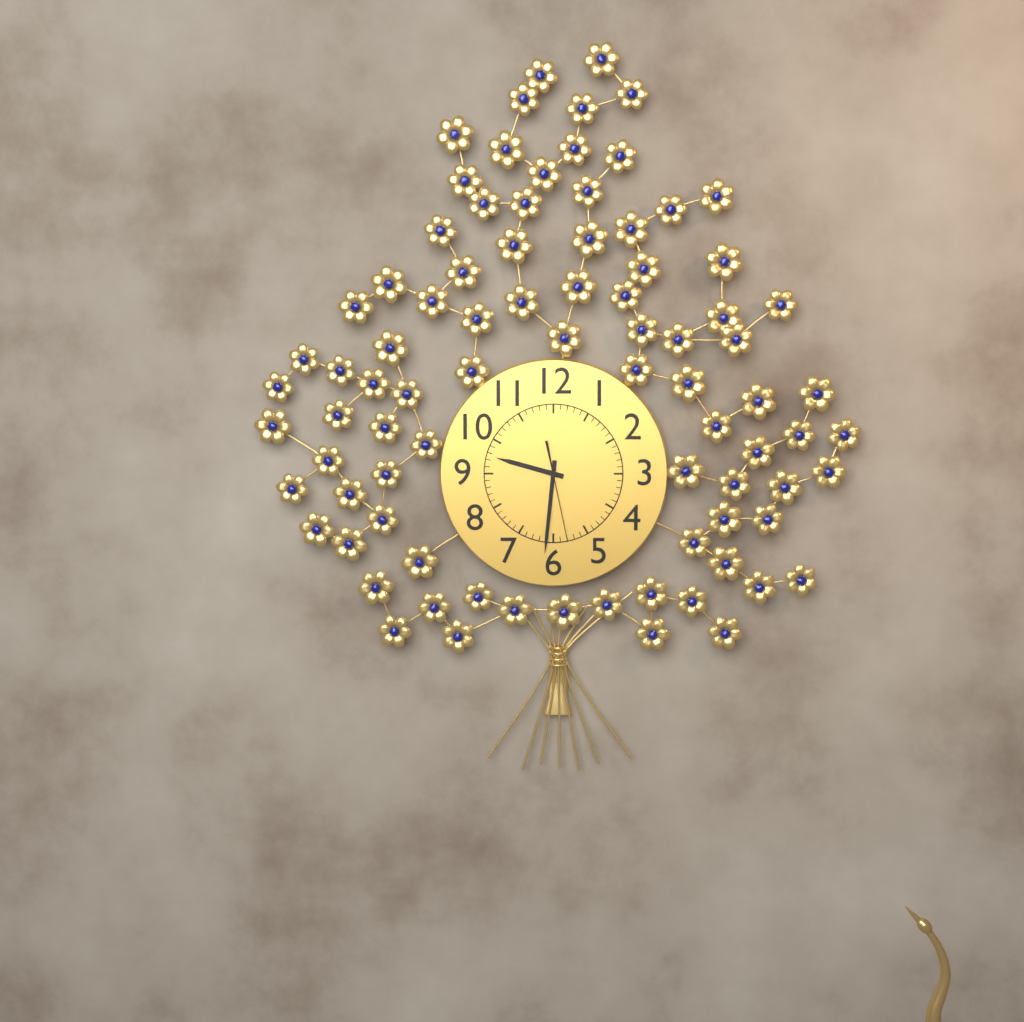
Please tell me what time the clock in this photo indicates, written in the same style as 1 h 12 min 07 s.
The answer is 9 h 31 min 28 s
